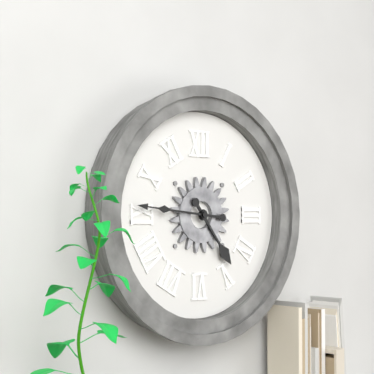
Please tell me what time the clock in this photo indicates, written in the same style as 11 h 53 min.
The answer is 4 h 46 min
